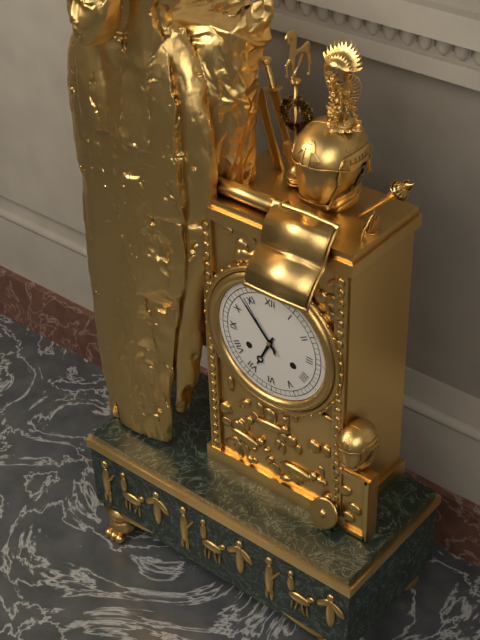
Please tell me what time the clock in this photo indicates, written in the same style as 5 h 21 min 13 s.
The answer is 6 h 53 min 54 s
